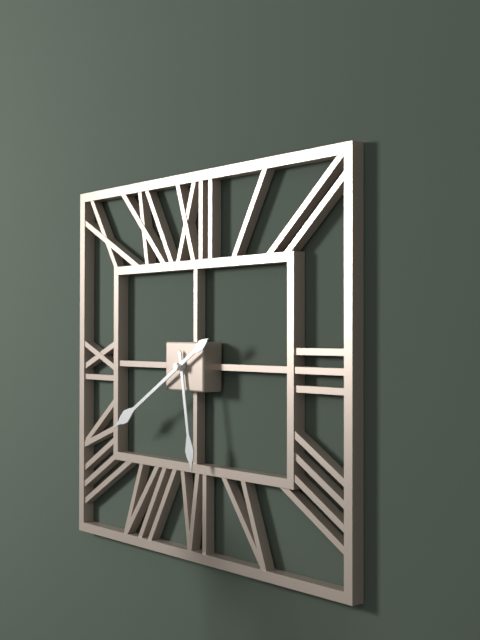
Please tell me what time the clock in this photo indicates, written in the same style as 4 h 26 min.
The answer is 5 h 40 min
